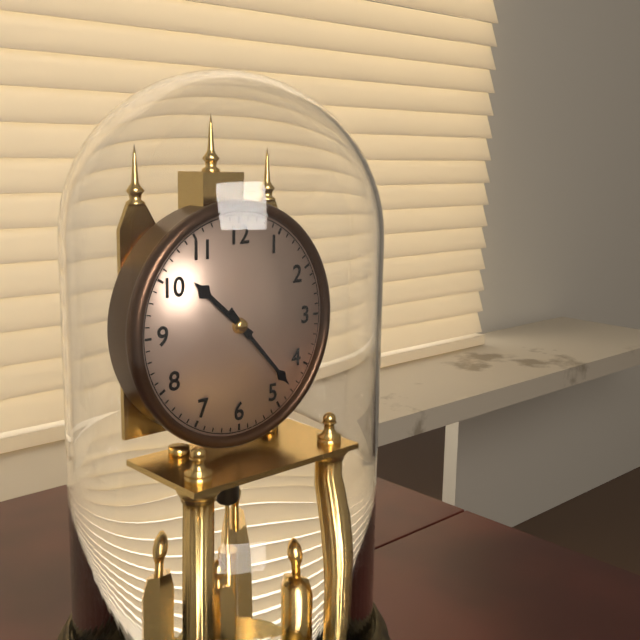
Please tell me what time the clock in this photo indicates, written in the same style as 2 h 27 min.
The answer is 10 h 23 min
